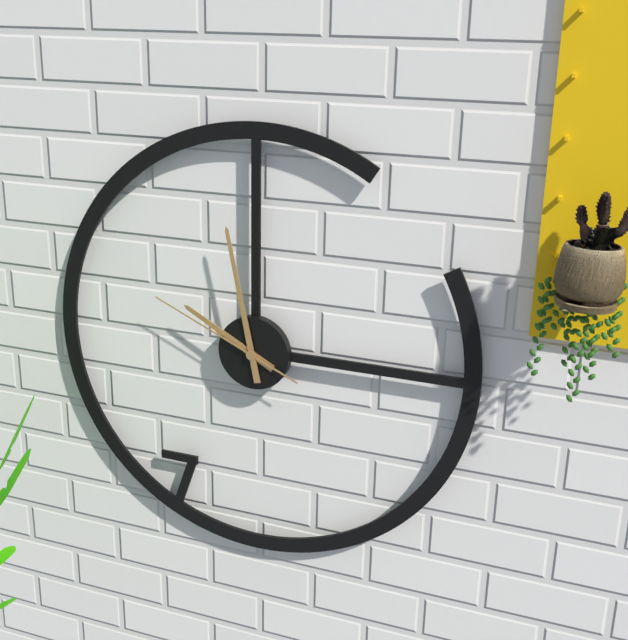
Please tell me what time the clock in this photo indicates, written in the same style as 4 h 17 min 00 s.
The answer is 9 h 58 min 49 s
